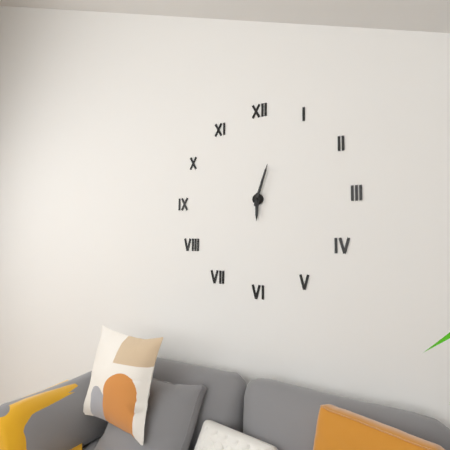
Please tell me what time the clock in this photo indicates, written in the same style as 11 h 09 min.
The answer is 6 h 03 min
